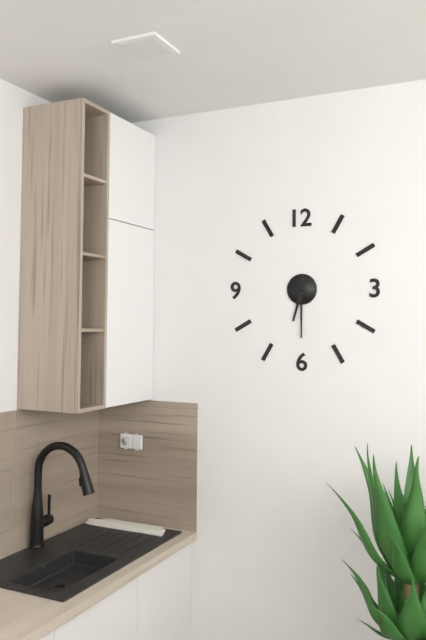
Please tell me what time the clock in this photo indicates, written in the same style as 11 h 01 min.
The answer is 6 h 30 min
